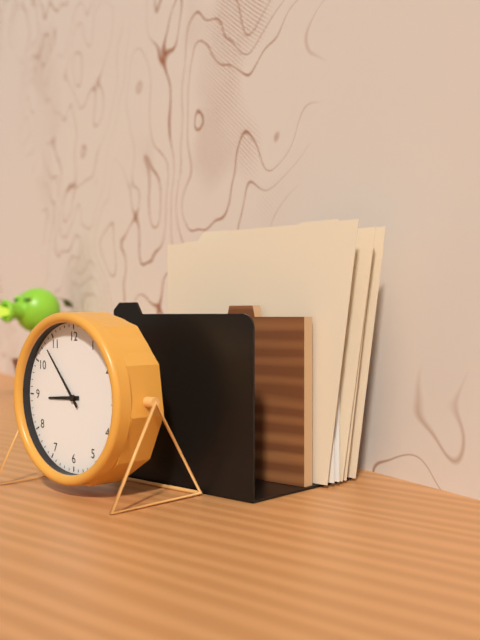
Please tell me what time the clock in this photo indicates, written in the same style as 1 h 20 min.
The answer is 8 h 53 min
